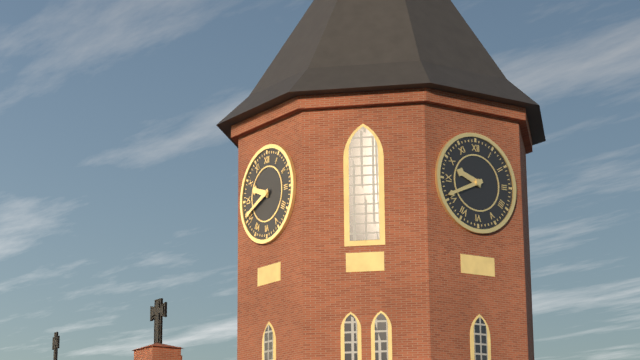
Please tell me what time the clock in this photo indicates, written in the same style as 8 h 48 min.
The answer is 9 h 41 min
